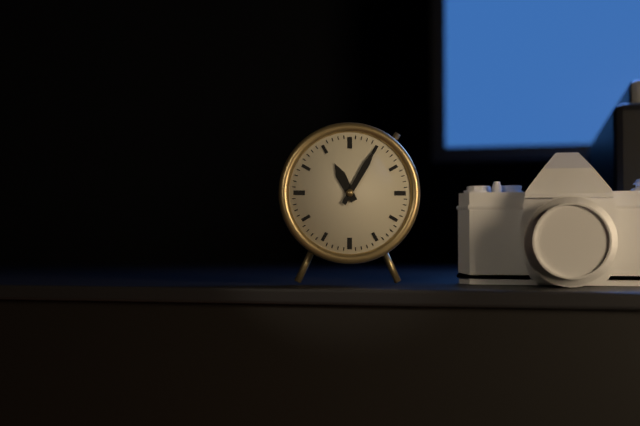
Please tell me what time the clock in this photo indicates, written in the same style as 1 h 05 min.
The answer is 11 h 05 min
